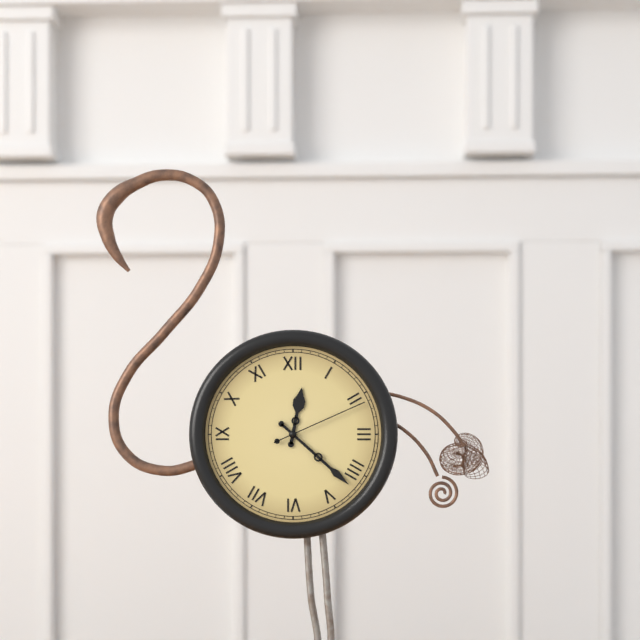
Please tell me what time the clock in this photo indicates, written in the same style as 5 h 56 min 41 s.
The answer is 12 h 22 min 11 s
